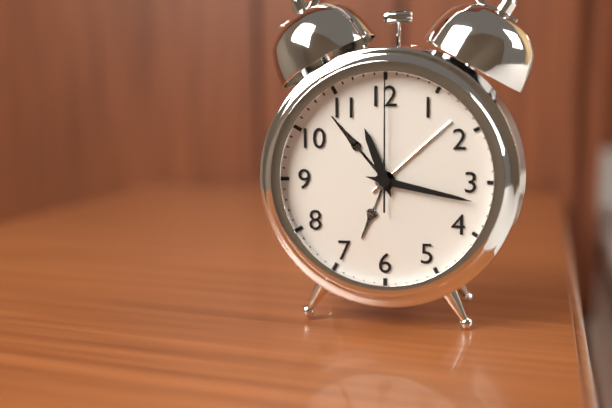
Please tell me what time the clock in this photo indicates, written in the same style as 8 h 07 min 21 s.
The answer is 11 h 17 min 00 s
